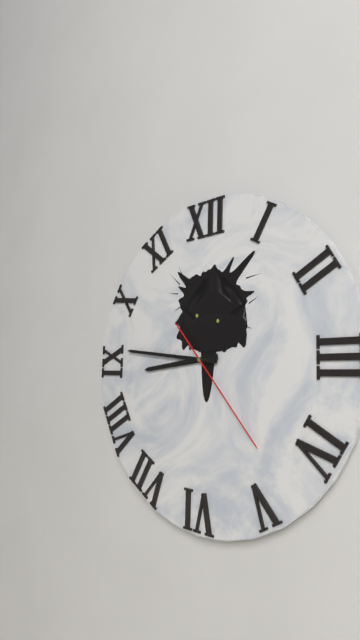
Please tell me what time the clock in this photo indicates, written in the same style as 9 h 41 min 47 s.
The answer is 8 h 46 min 23 s
